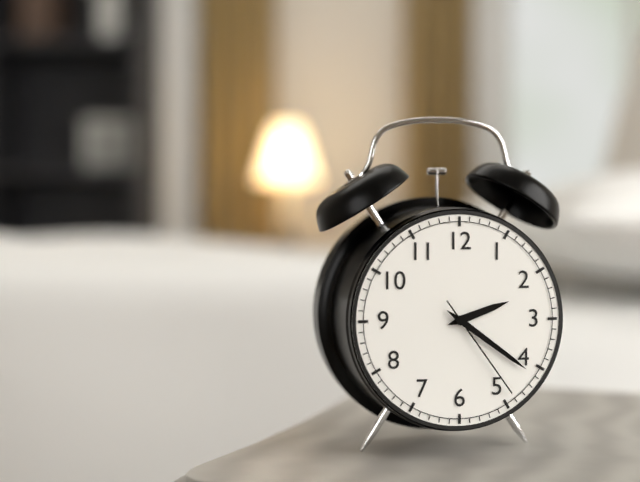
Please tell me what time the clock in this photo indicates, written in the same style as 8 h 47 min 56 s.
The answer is 2 h 21 min 24 s
